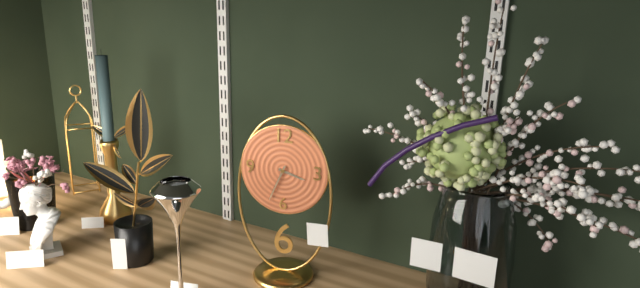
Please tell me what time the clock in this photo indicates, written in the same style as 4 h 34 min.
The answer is 3 h 34 min
